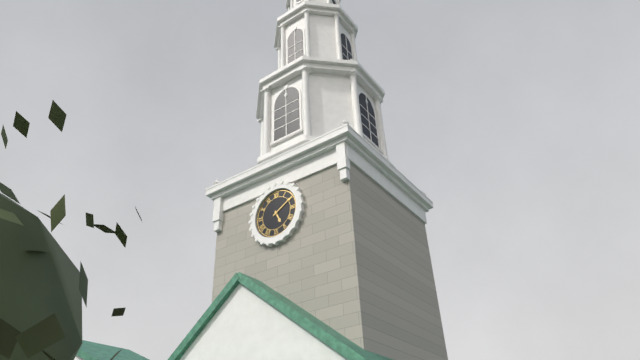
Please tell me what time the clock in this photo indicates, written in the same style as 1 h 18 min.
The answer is 5 h 10 min
